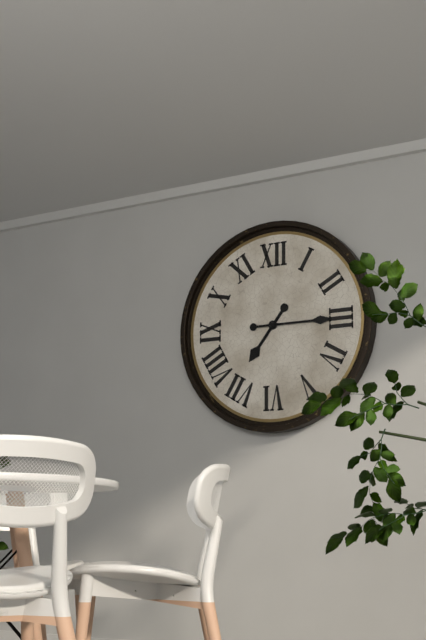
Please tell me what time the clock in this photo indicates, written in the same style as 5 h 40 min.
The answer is 7 h 15 min
